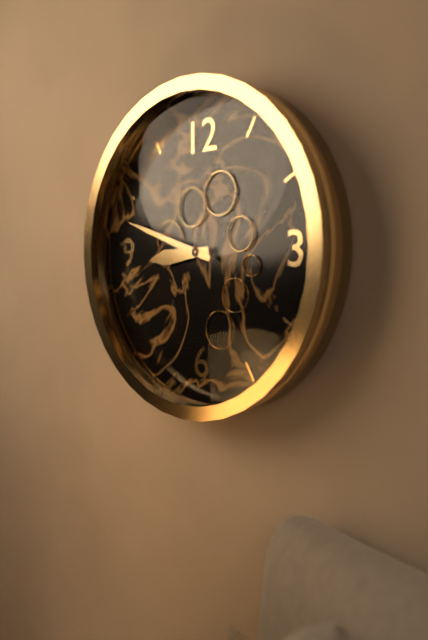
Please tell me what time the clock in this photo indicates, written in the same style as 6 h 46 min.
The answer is 8 h 48 min
